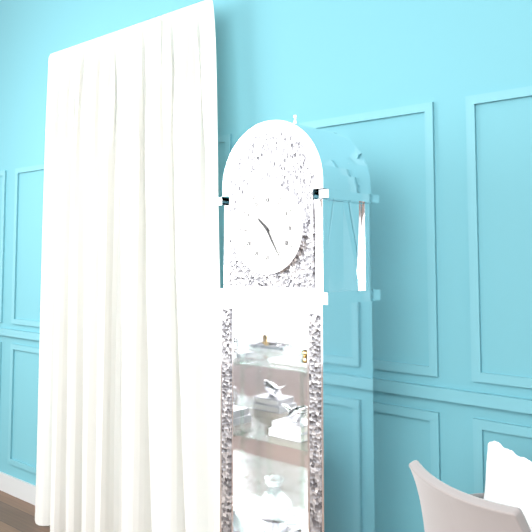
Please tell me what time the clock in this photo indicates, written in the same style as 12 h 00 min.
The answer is 10 h 25 min
